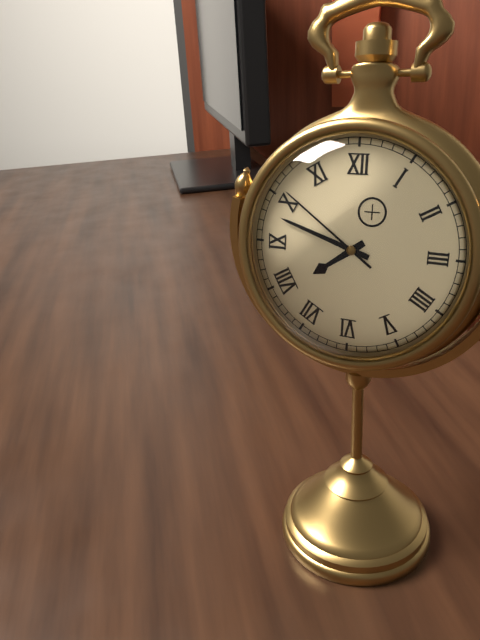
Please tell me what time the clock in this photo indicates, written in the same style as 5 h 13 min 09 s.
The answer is 7 h 48 min 51 s
